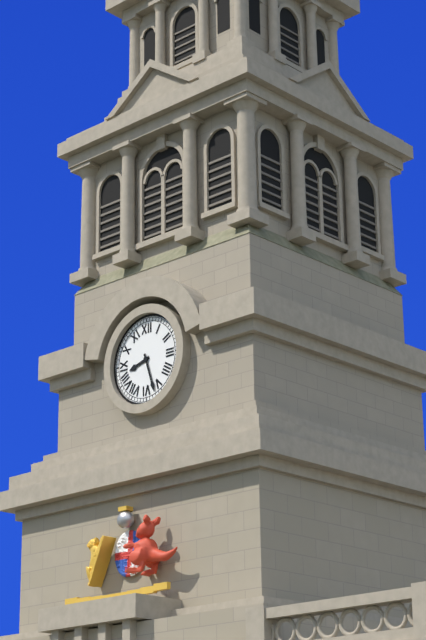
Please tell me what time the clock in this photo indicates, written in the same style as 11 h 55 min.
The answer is 8 h 27 min
